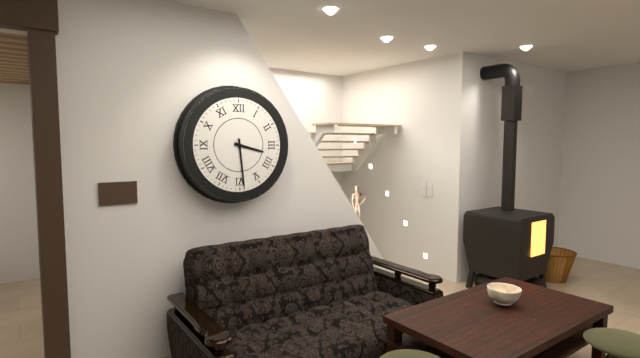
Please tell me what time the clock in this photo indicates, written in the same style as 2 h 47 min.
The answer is 3 h 29 min
